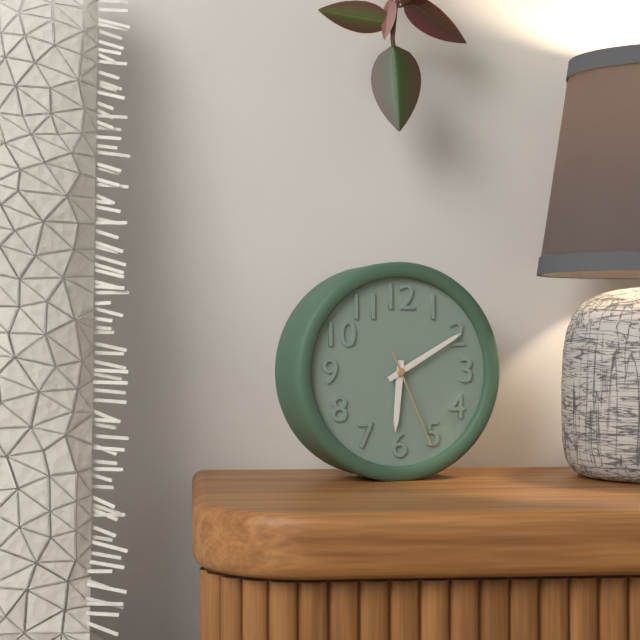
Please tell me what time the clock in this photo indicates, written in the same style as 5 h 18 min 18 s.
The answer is 6 h 10 min 26 s
